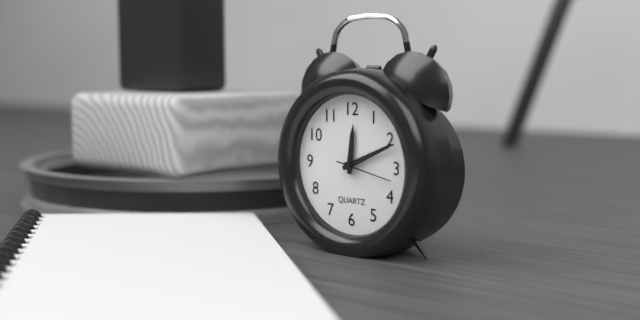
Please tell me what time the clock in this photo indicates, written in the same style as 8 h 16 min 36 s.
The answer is 12 h 11 min 17 s
